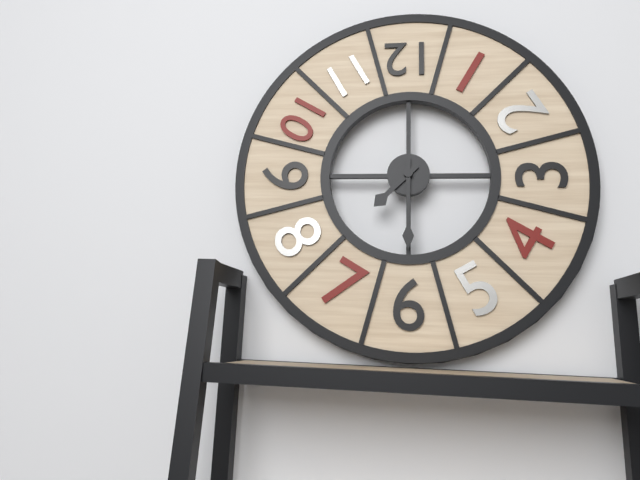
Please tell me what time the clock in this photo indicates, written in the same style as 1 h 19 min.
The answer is 7 h 30 min
